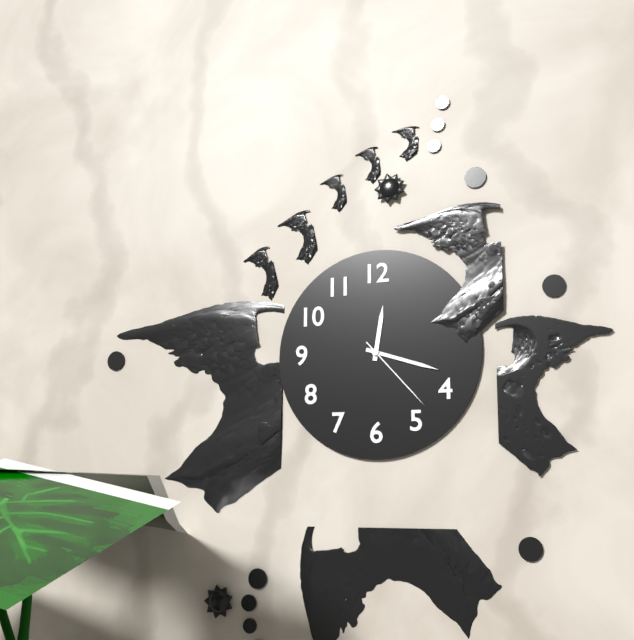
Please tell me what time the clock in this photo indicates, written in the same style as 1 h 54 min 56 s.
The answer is 12 h 18 min 23 s
